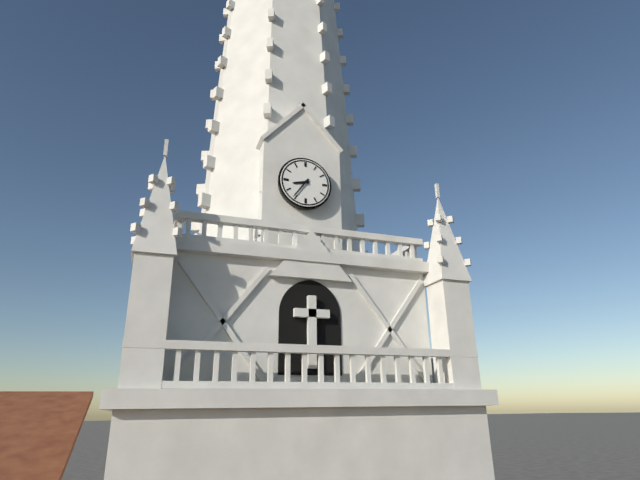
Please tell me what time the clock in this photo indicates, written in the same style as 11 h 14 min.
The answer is 8 h 36 min
